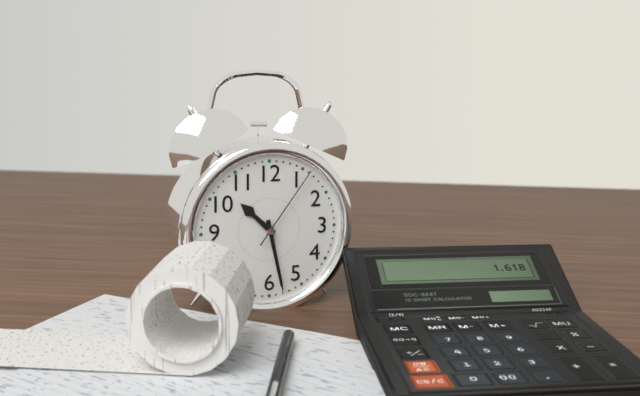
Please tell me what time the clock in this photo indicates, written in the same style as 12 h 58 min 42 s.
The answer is 10 h 28 min 06 s
